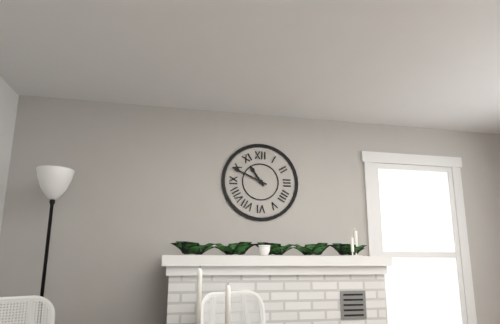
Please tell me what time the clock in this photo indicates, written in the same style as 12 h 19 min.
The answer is 10 h 49 min
